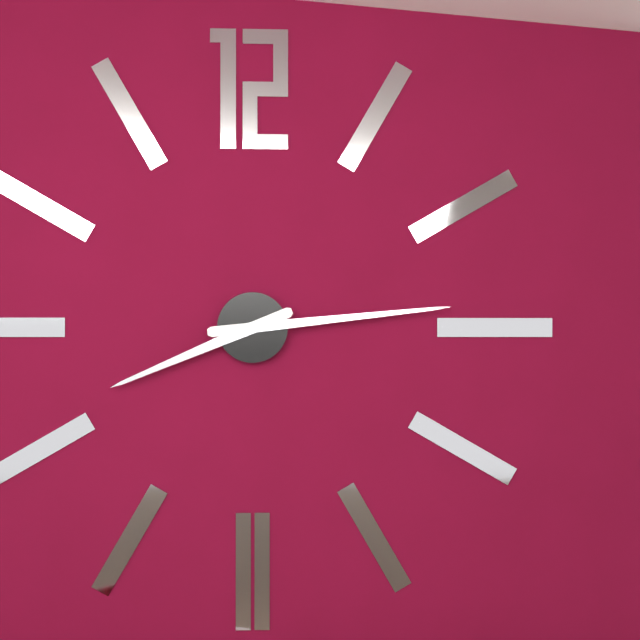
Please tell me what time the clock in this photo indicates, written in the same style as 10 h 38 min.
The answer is 8 h 14 min
